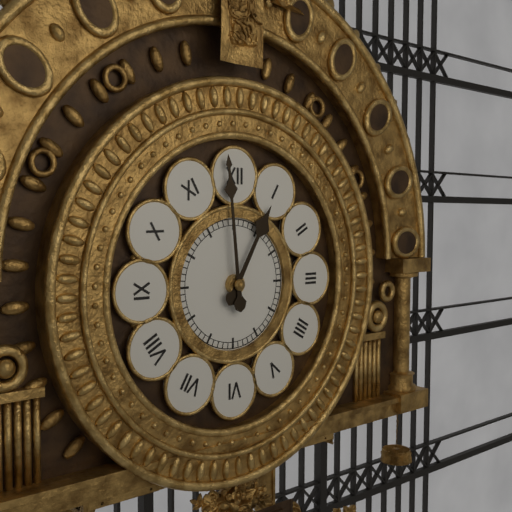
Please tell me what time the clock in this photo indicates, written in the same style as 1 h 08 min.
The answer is 12 h 59 min
